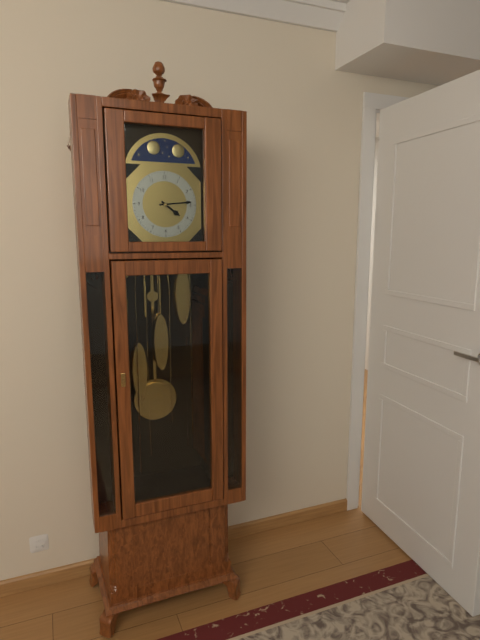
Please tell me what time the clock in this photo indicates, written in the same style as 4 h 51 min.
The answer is 4 h 14 min
